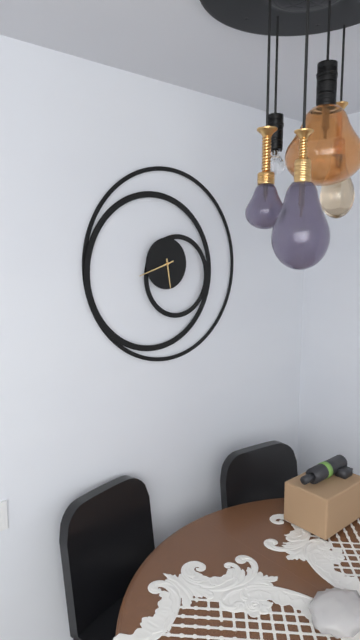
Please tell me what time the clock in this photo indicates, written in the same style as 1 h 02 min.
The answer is 5 h 42 min
